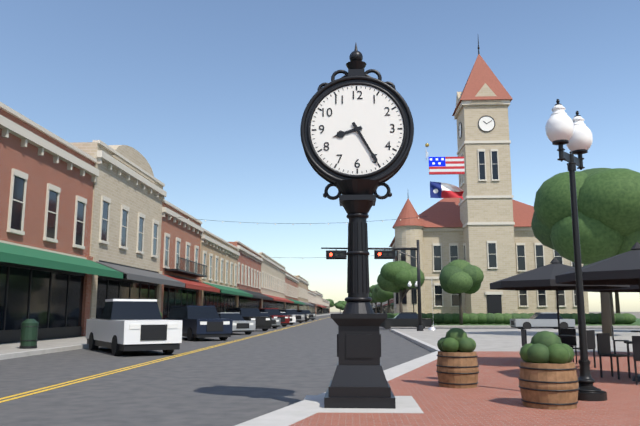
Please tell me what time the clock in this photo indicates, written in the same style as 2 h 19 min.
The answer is 8 h 25 min
